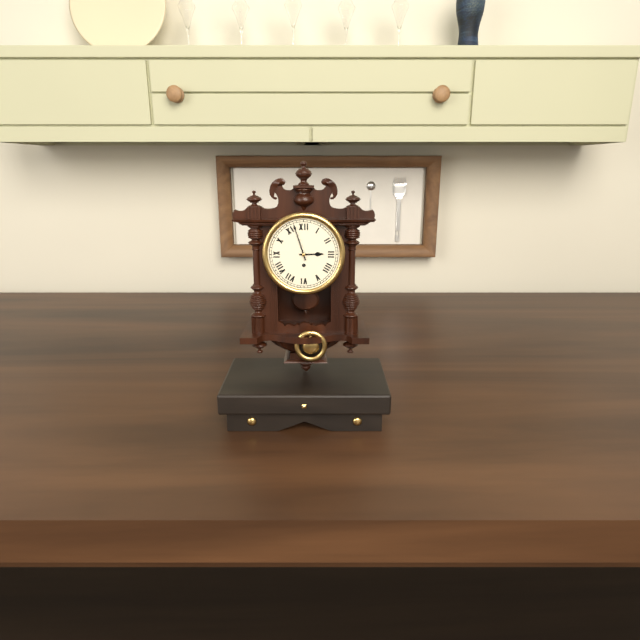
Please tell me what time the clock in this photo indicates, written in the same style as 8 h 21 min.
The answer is 2 h 57 min
